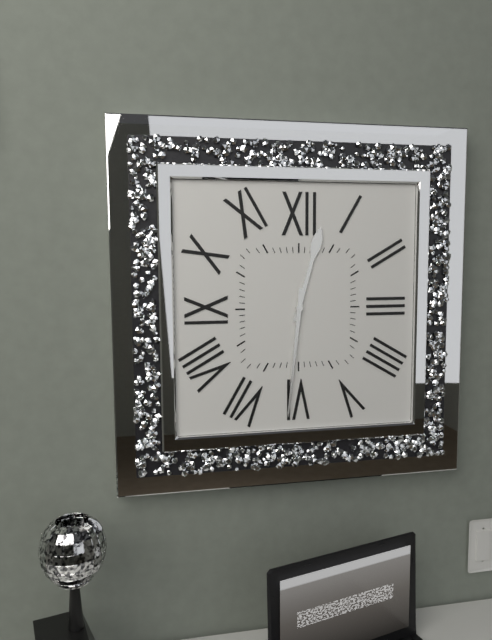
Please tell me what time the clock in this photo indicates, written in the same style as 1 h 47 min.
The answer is 12 h 31 min
